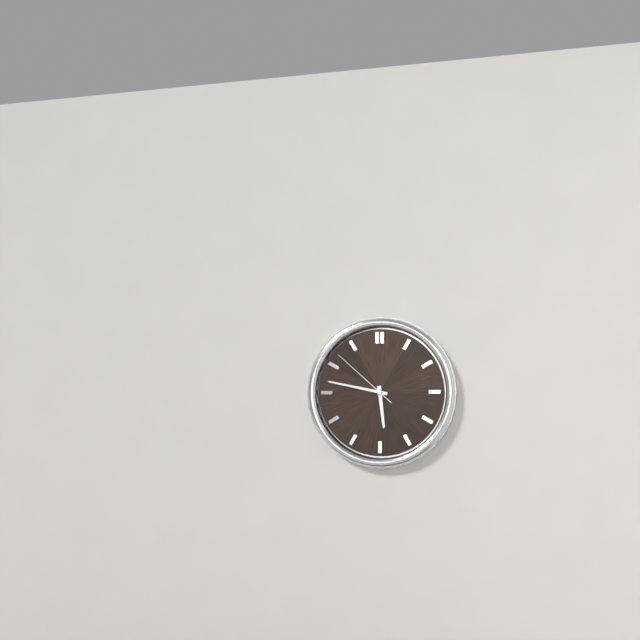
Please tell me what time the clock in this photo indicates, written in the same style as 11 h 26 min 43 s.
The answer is 5 h 47 min 52 s
